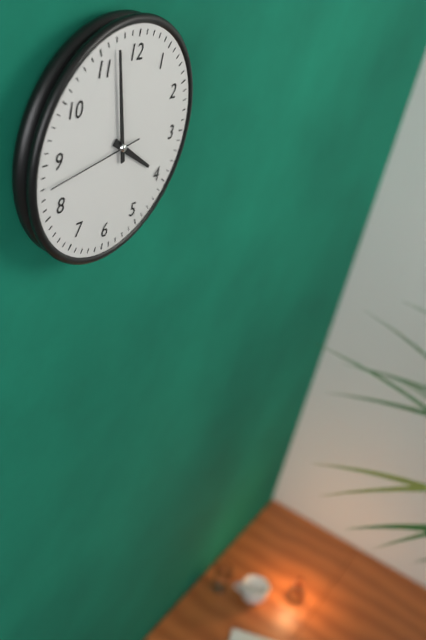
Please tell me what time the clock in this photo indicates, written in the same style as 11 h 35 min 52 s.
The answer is 3 h 57 min 43 s
